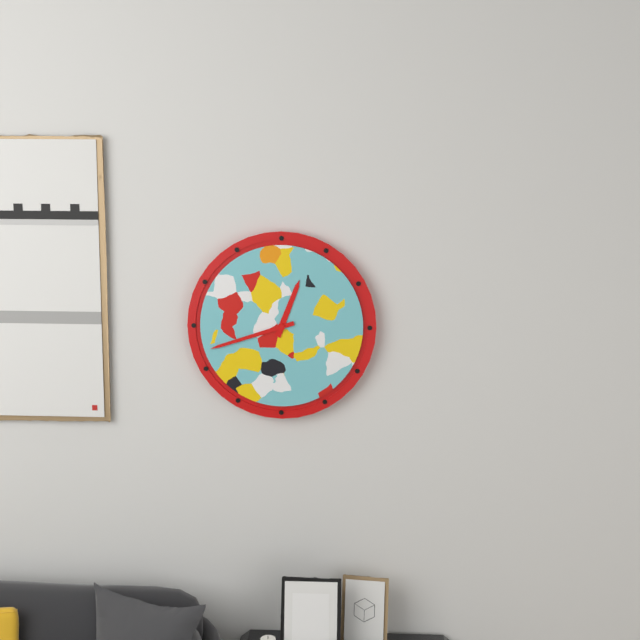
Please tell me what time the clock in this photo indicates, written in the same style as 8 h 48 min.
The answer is 12 h 42 min
